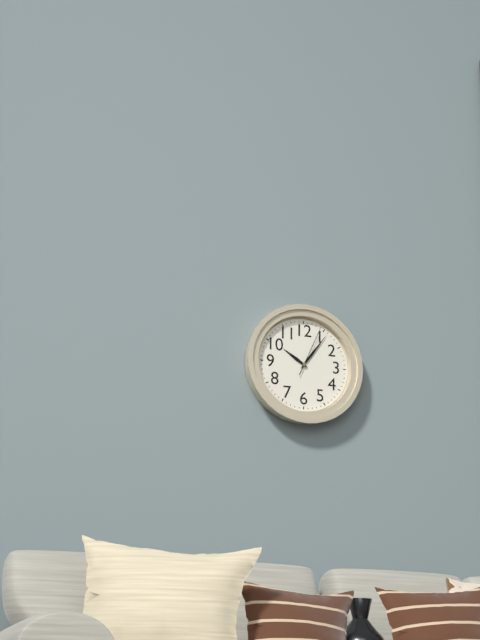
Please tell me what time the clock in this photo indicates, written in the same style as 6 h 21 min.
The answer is 10 h 06 min
